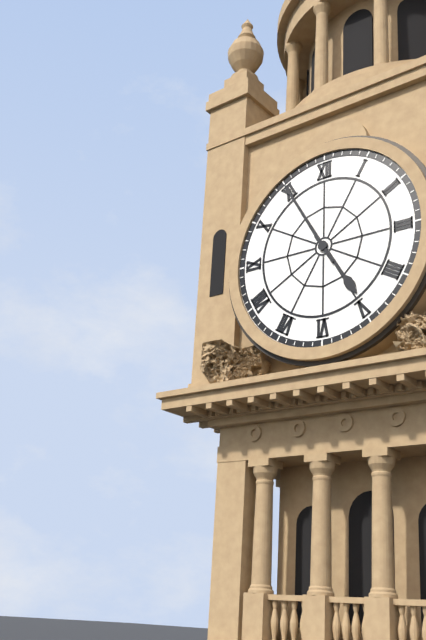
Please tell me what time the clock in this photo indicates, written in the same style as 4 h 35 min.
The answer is 4 h 55 min
